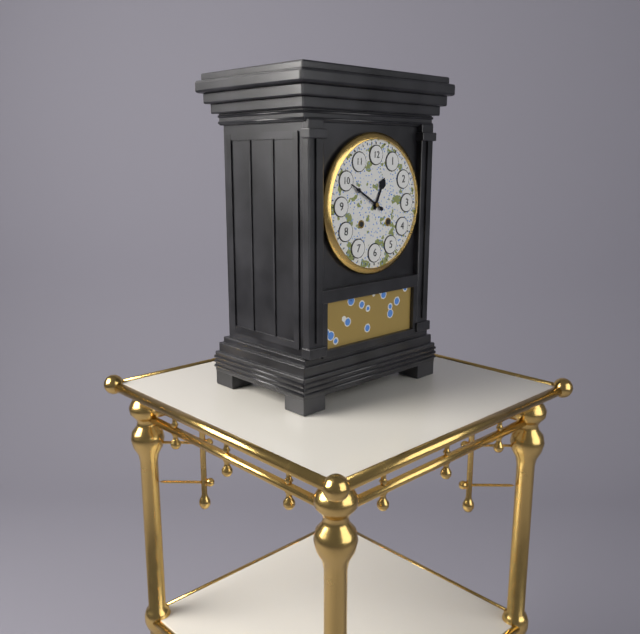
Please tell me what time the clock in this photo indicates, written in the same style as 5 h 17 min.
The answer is 12 h 50 min
